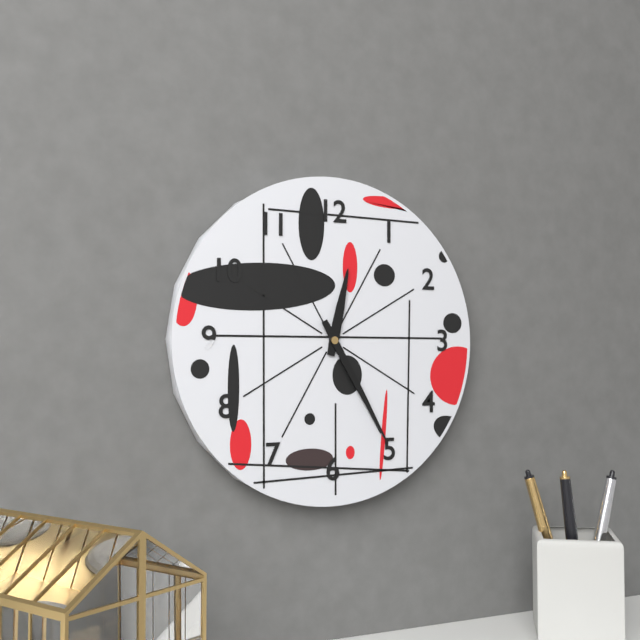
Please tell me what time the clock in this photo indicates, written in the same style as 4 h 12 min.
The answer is 12 h 25 min
